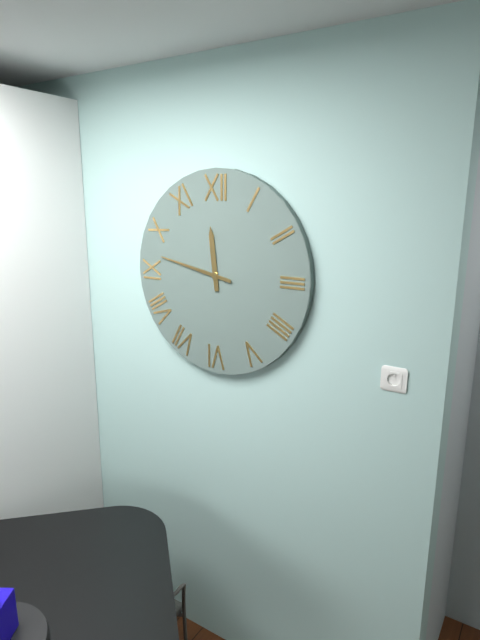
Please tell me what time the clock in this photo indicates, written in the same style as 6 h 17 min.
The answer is 11 h 47 min
